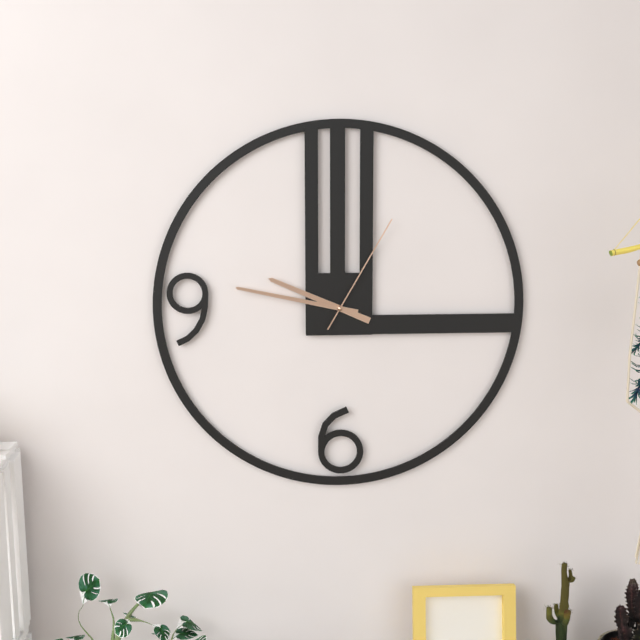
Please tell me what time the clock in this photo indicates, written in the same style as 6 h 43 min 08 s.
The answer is 9 h 47 min 05 s
